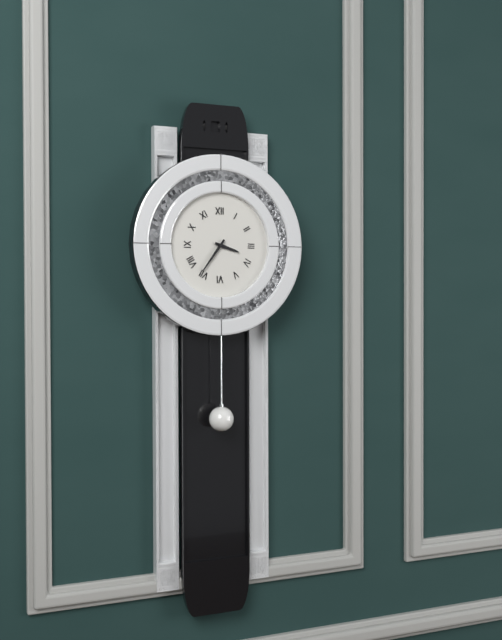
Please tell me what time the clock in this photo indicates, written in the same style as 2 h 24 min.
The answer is 3 h 36 min
